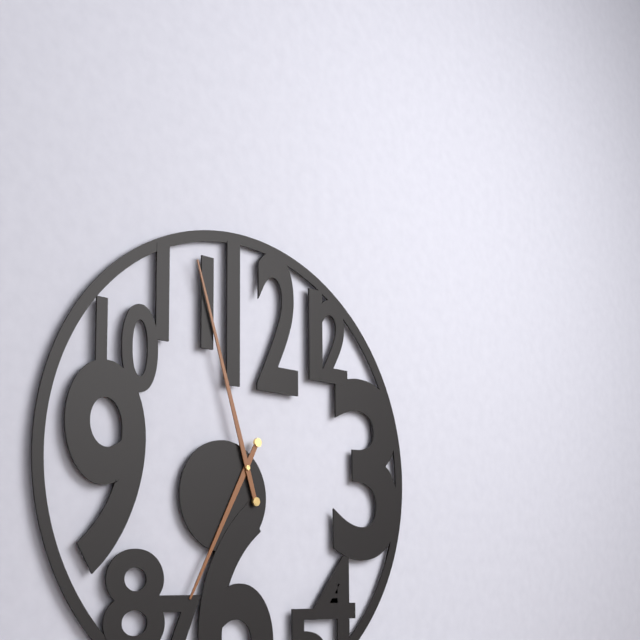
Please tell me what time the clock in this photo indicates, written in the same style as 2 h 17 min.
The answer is 6 h 57 min
